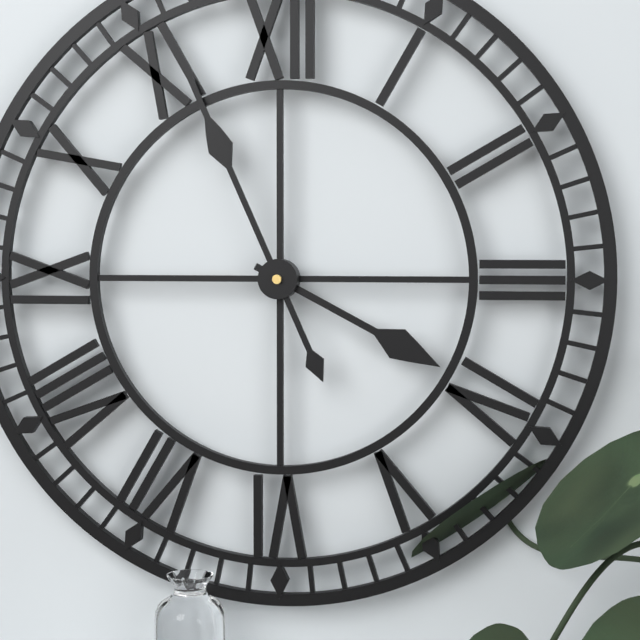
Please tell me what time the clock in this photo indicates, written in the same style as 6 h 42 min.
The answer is 3 h 56 min
